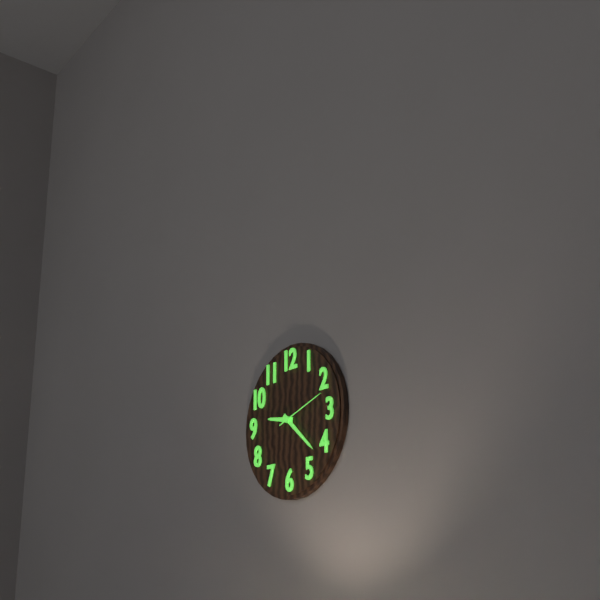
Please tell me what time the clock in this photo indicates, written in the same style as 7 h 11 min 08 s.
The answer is 9 h 22 min 12 s
